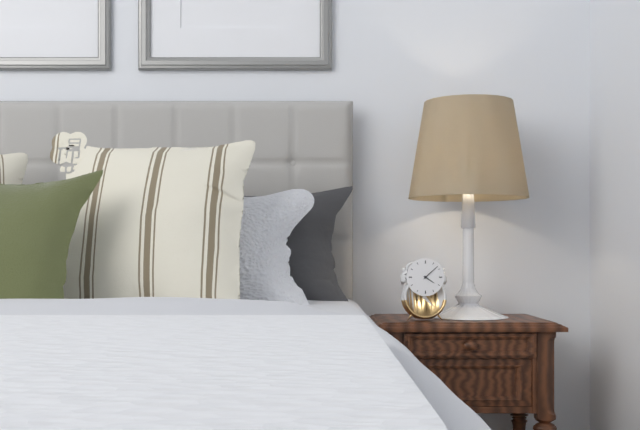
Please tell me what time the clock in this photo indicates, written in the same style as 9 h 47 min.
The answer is 4 h 08 min
